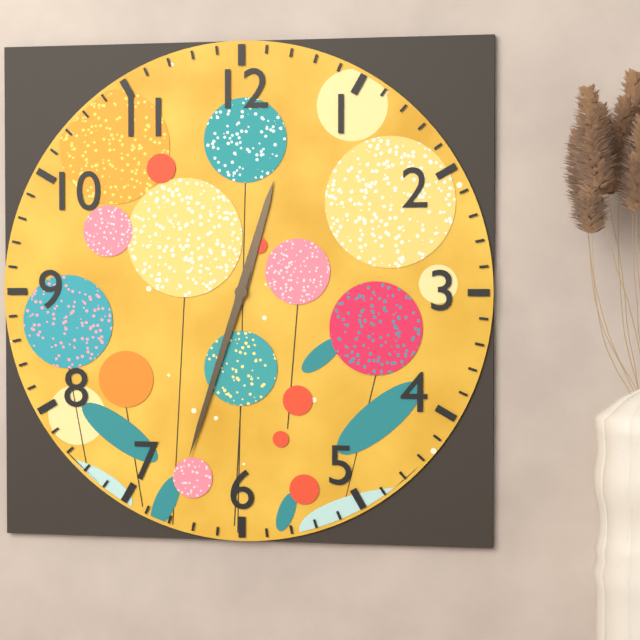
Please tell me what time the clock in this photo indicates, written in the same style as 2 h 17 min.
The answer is 12 h 33 min
